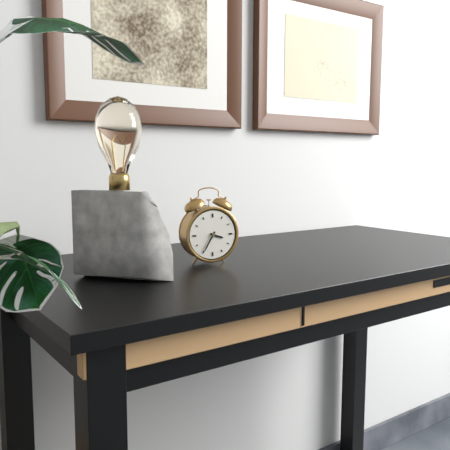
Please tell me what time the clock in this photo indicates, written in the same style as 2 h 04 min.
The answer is 3 h 35 min
